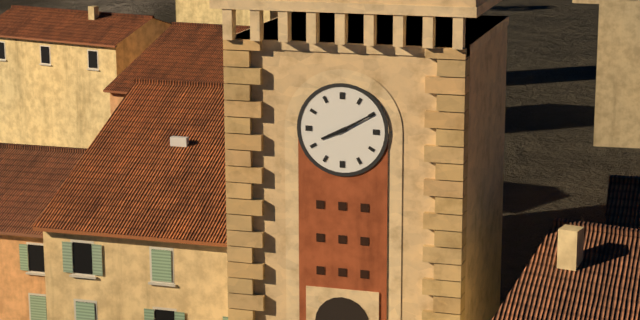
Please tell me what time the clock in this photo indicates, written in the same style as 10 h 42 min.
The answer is 8 h 10 min
